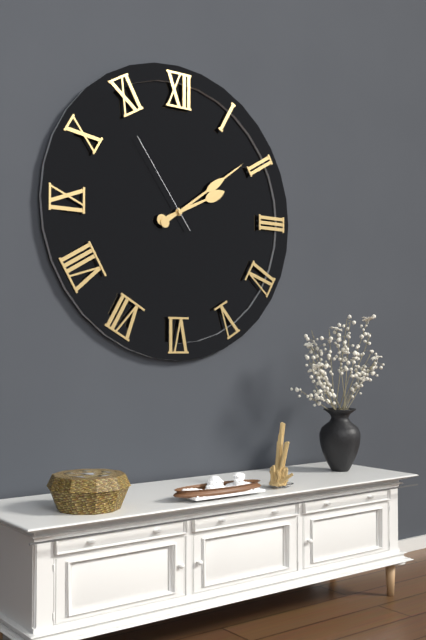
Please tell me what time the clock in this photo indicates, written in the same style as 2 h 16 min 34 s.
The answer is 2 h 09 min 54 s
